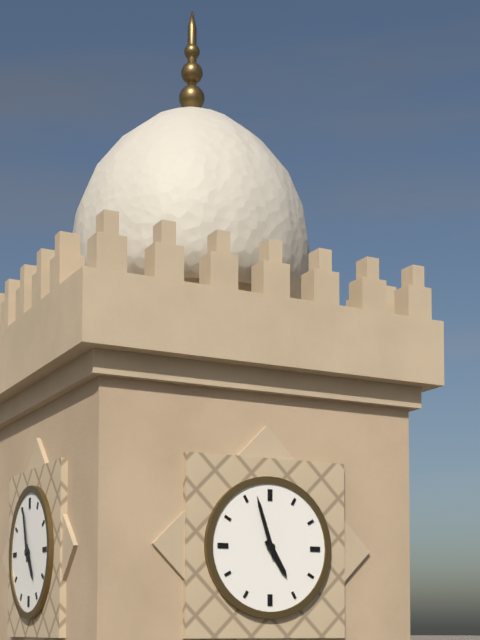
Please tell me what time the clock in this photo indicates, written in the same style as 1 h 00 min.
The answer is 4 h 57 min
